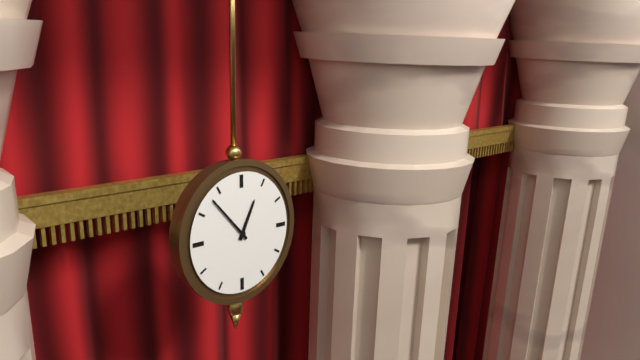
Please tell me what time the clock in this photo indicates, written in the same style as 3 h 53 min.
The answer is 12 h 53 min
